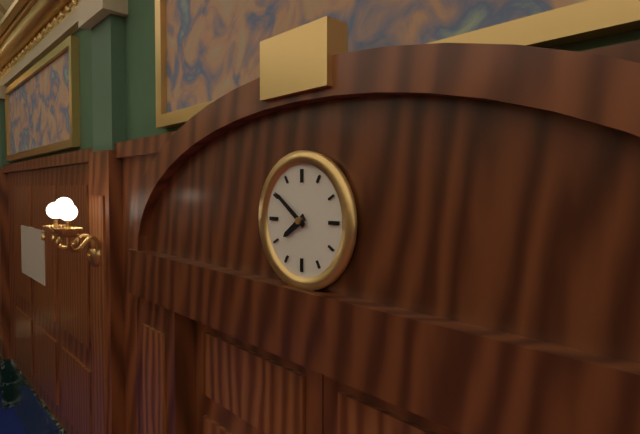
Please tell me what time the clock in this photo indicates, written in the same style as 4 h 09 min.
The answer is 7 h 51 min
